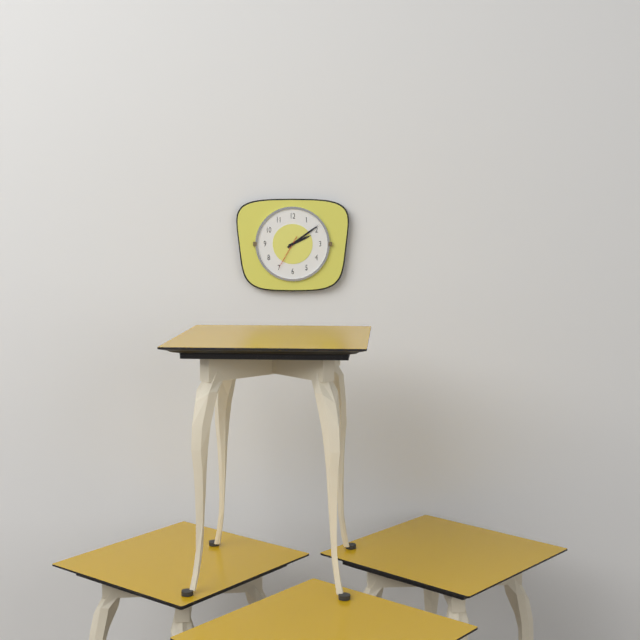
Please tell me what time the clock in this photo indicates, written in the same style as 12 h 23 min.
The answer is 2 h 09 min
